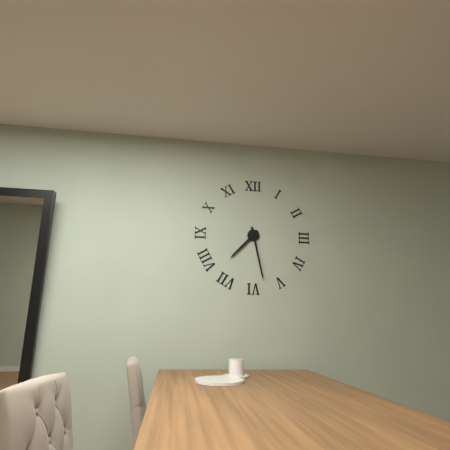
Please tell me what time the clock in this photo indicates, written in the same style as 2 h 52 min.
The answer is 7 h 28 min
